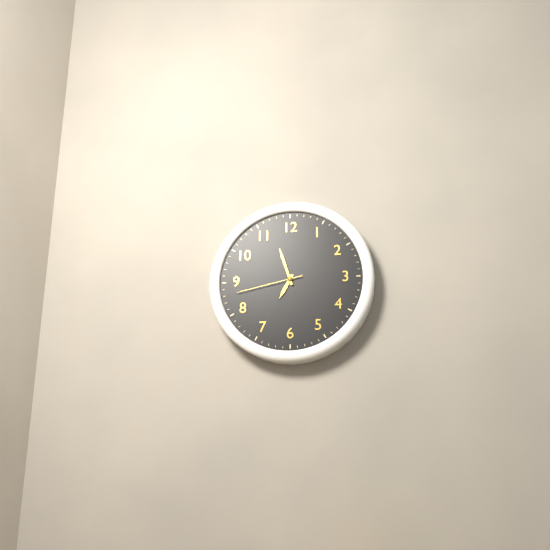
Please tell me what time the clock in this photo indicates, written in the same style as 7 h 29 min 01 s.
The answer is 6 h 57 min 43 s
